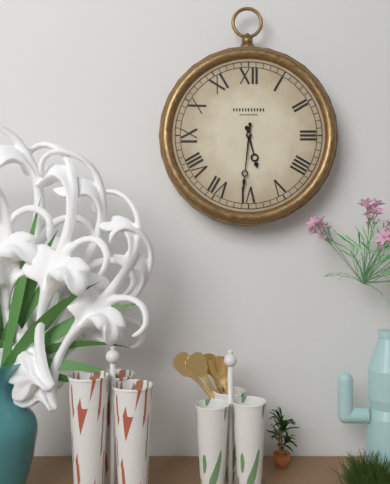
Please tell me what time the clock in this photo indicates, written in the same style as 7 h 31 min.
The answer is 5 h 31 min
